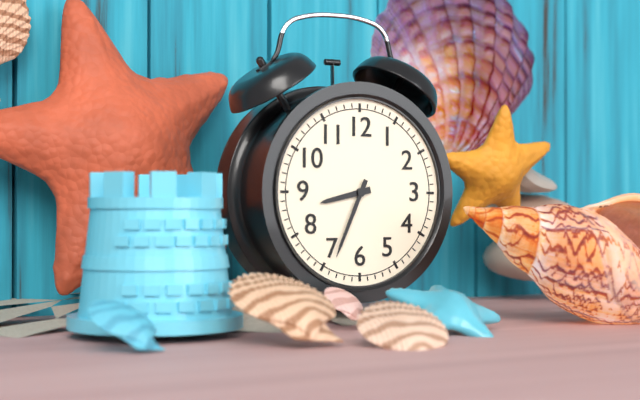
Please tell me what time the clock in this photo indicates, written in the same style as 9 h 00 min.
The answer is 8 h 34 min
